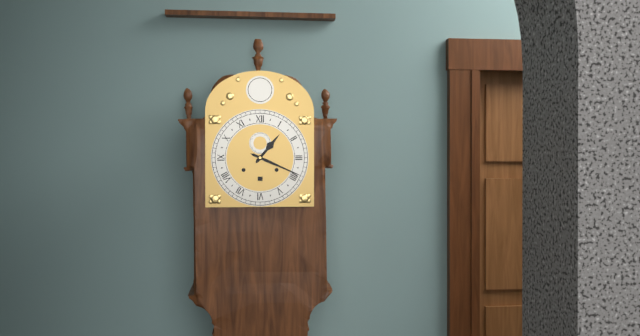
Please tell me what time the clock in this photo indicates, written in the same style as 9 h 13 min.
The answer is 1 h 19 min
